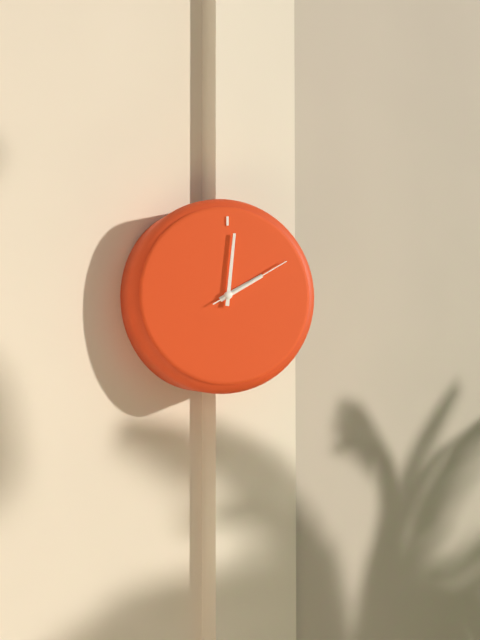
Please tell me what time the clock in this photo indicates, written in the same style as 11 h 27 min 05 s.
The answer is 2 h 01 min 10 s
